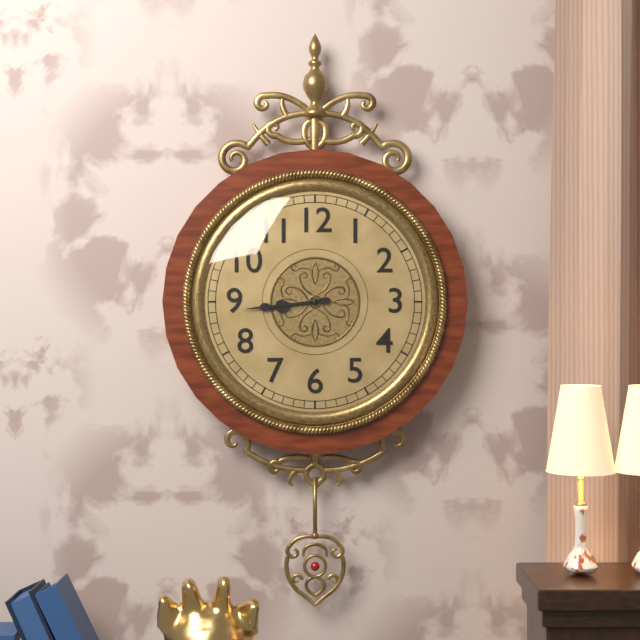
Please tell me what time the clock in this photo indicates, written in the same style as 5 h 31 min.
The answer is 8 h 44 min
